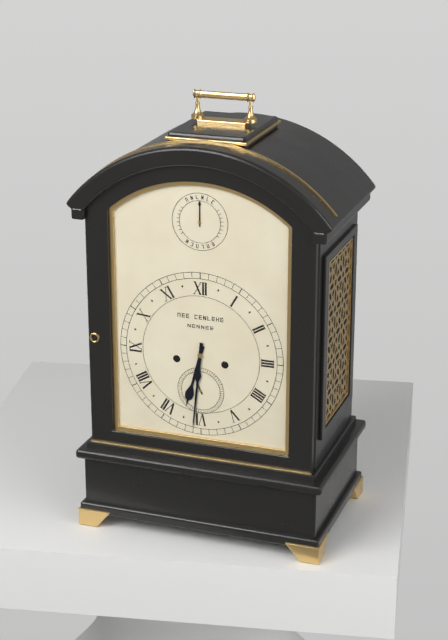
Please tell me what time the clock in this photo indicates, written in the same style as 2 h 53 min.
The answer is 6 h 31 min
